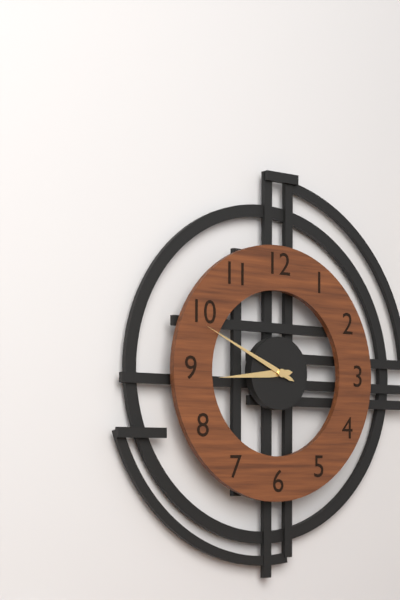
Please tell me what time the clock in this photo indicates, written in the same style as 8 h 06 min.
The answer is 8 h 49 min
